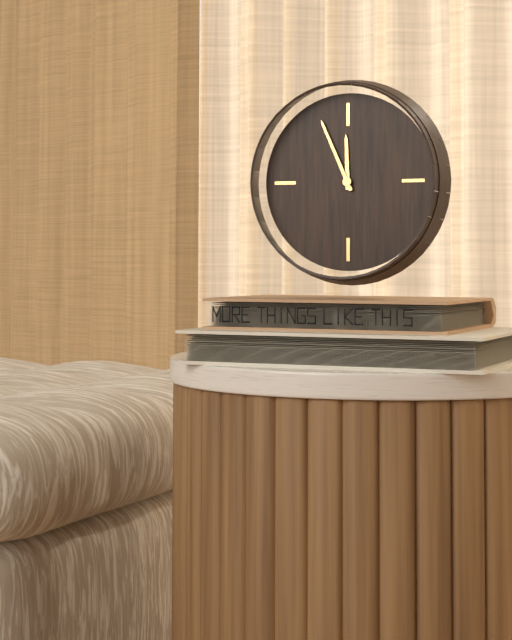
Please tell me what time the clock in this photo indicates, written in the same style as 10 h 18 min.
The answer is 11 h 56 min
